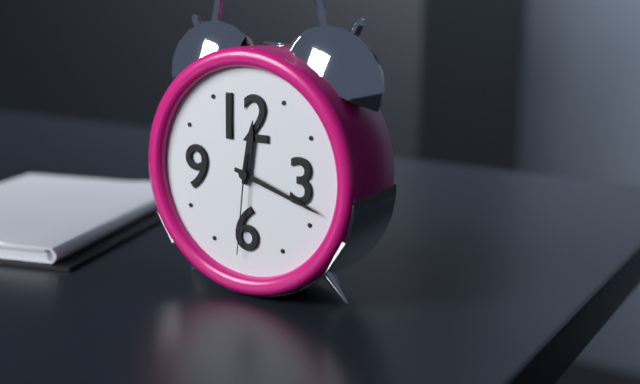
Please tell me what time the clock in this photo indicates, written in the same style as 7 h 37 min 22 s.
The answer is 12 h 18 min 31 s
